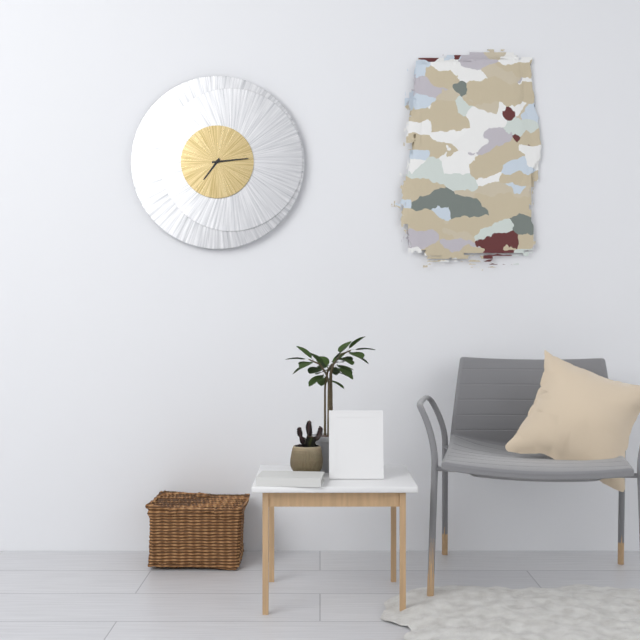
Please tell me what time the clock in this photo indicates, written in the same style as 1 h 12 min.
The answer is 7 h 14 min
